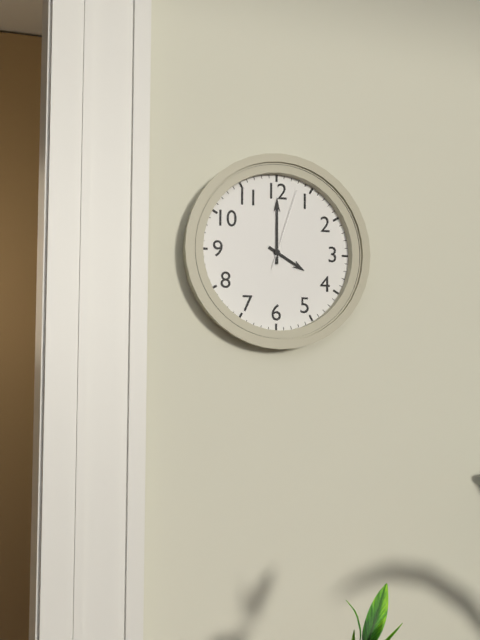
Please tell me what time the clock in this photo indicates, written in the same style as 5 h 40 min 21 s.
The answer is 4 h 00 min 03 s
